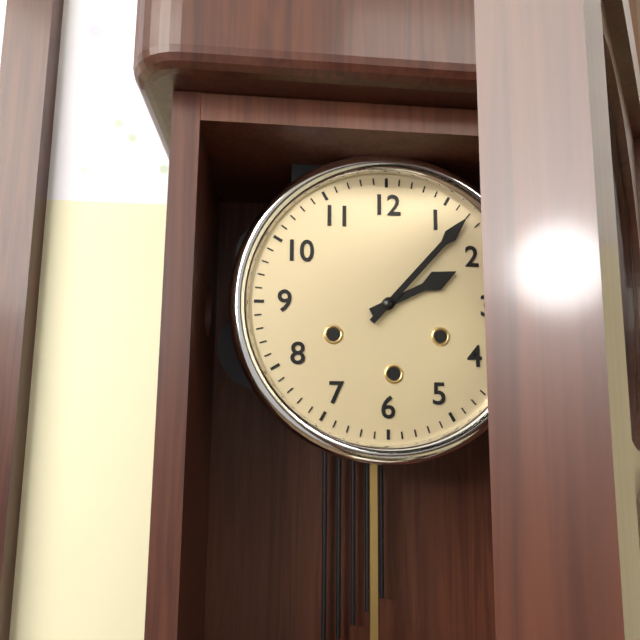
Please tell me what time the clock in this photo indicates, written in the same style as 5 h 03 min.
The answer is 2 h 07 min
